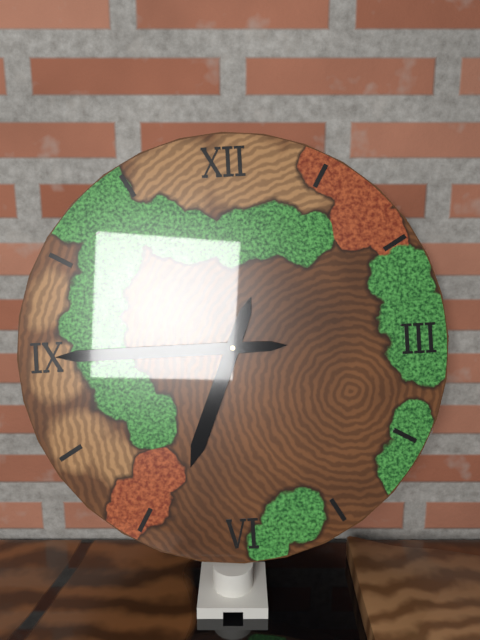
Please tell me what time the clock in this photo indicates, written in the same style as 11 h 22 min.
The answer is 6 h 45 min
